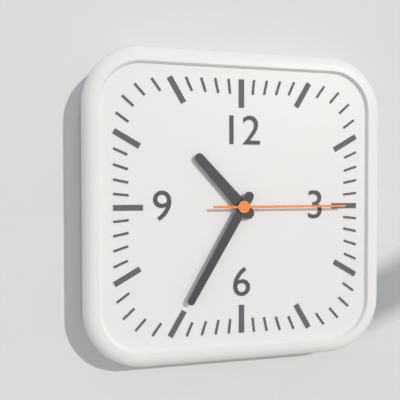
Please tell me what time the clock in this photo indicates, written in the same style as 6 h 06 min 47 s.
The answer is 10 h 35 min 15 s
